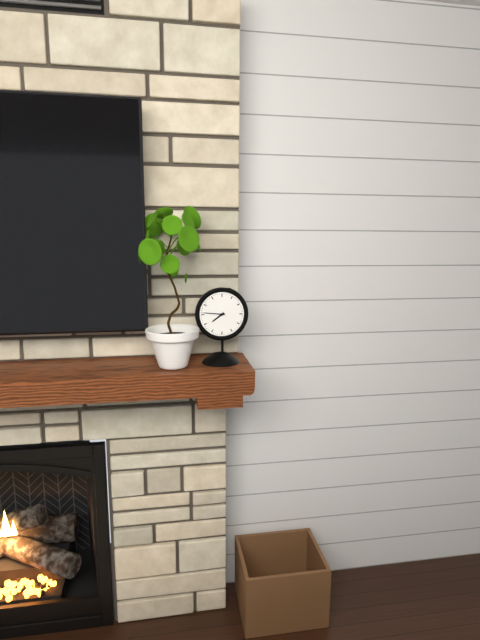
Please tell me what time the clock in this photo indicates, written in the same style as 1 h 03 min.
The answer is 7 h 46 min
